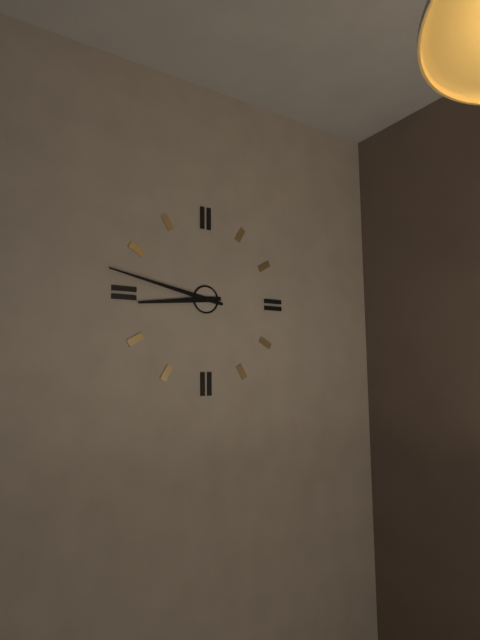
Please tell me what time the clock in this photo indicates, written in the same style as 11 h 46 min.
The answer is 8 h 47 min
